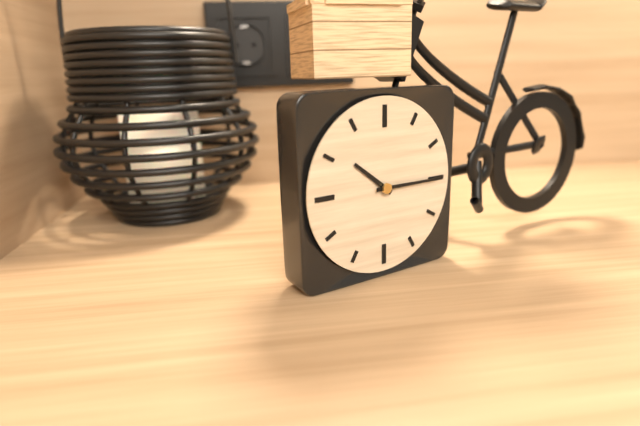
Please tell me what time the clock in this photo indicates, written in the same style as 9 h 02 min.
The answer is 10 h 15 min
